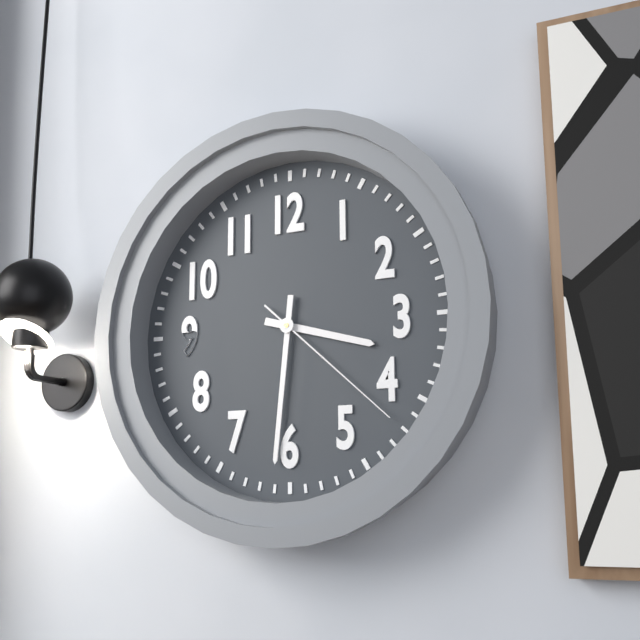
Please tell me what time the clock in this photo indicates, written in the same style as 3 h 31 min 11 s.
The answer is 3 h 31 min 22 s
